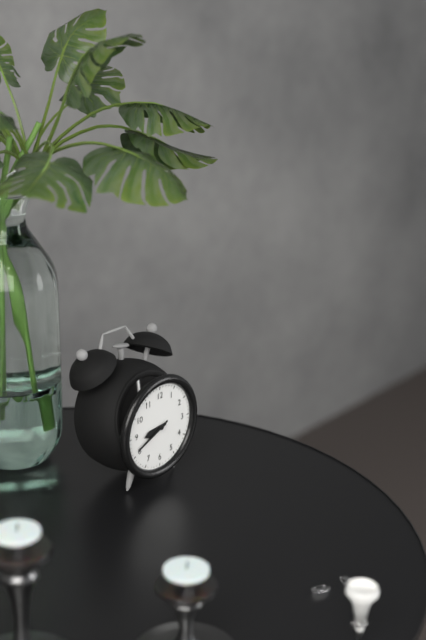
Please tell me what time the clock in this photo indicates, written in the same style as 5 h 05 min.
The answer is 8 h 41 min
